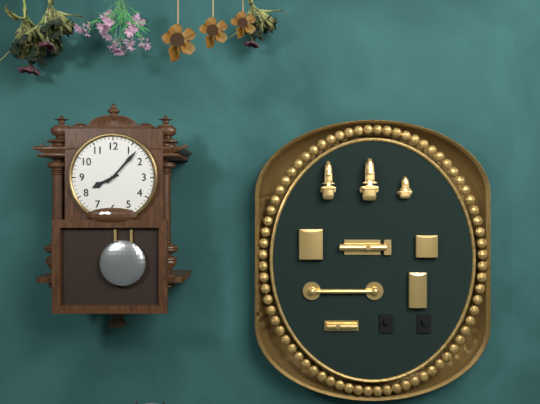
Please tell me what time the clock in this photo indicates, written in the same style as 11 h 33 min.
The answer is 8 h 07 min
